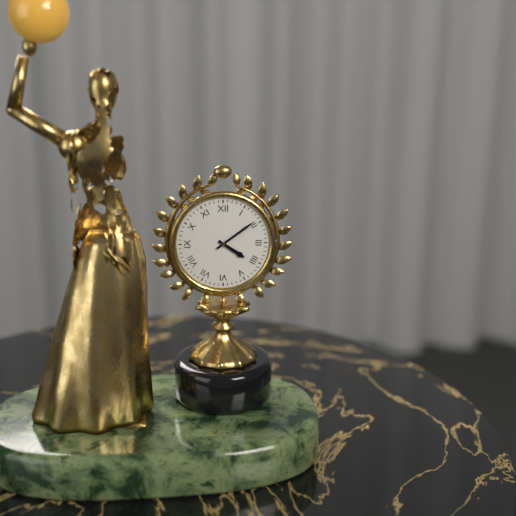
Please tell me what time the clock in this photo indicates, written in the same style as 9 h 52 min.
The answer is 4 h 09 min
